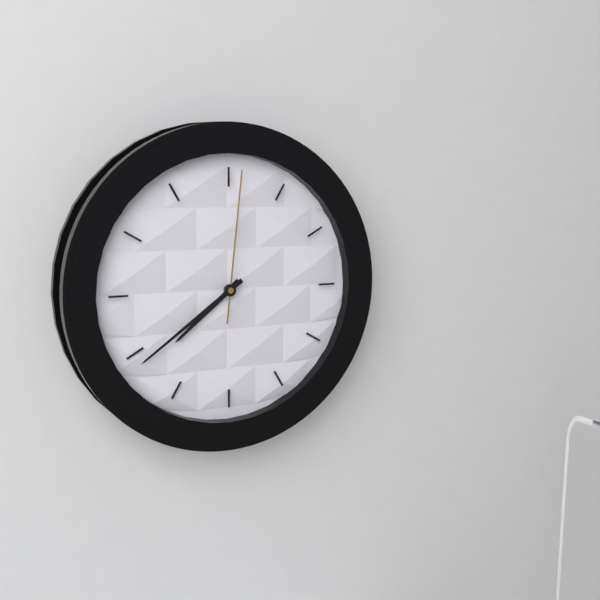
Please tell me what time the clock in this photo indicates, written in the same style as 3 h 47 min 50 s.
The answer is 7 h 39 min 01 s
